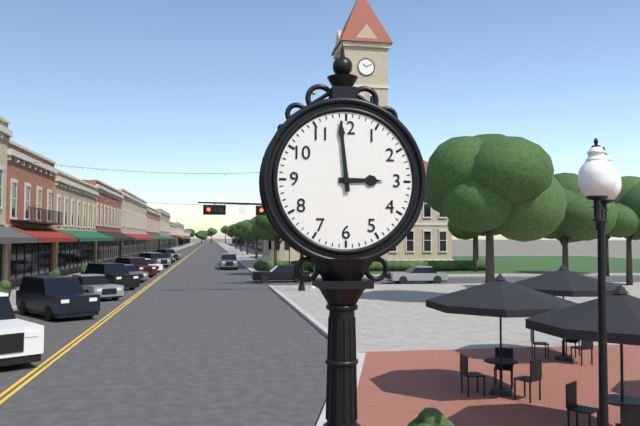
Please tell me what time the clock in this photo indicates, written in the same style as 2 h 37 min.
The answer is 2 h 59 min
